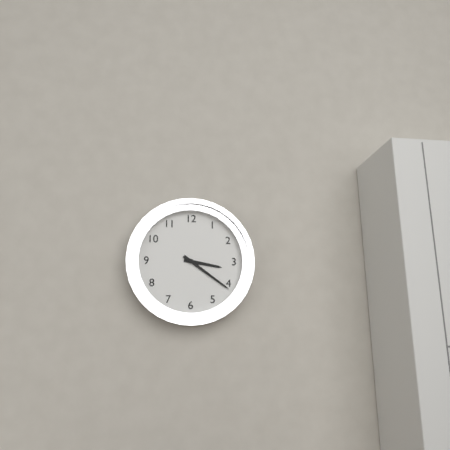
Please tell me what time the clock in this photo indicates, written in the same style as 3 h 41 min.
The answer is 3 h 21 min
